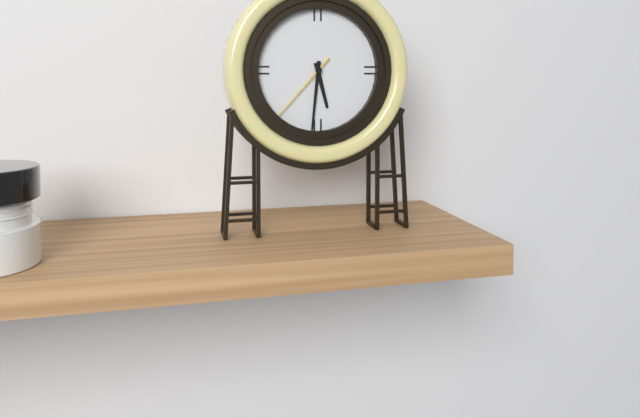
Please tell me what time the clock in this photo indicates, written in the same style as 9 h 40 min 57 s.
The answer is 5 h 31 min 37 s
